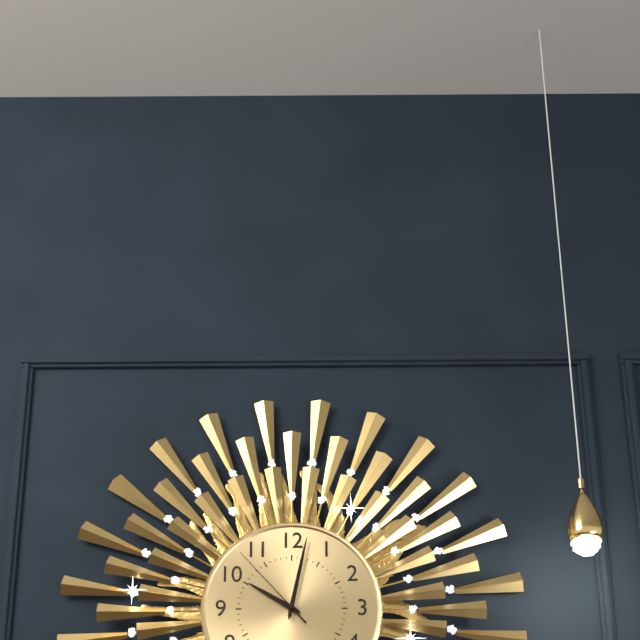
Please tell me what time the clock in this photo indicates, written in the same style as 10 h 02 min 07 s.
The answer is 10 h 02 min 53 s
